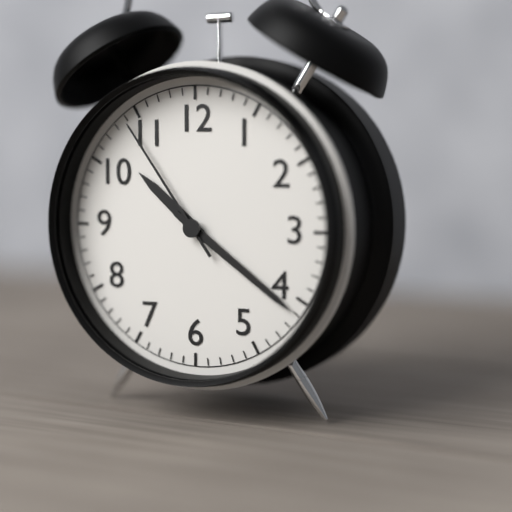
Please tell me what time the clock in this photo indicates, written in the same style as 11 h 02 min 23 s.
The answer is 10 h 21 min 54 s
